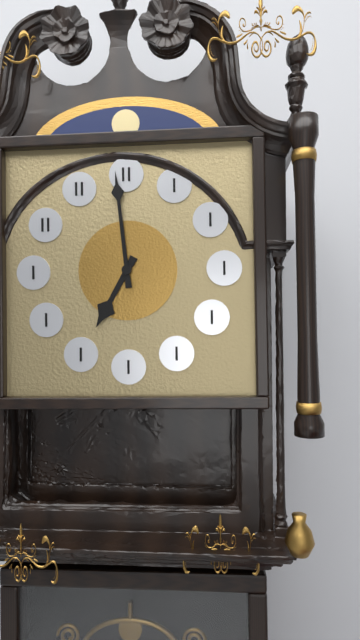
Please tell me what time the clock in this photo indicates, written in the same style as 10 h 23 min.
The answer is 6 h 59 min
